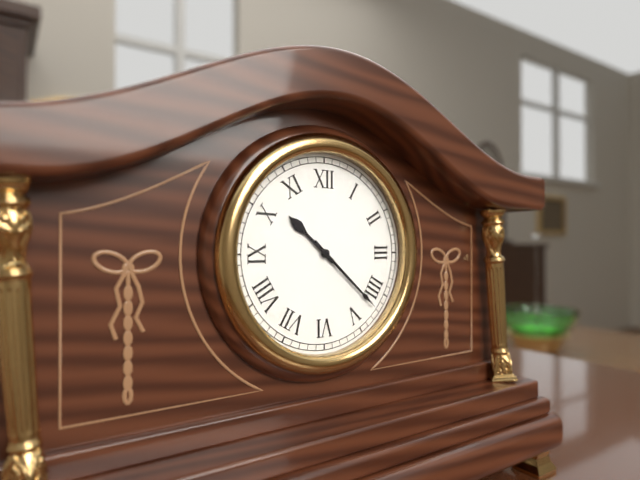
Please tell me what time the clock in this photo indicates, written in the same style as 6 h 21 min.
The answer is 10 h 22 min
